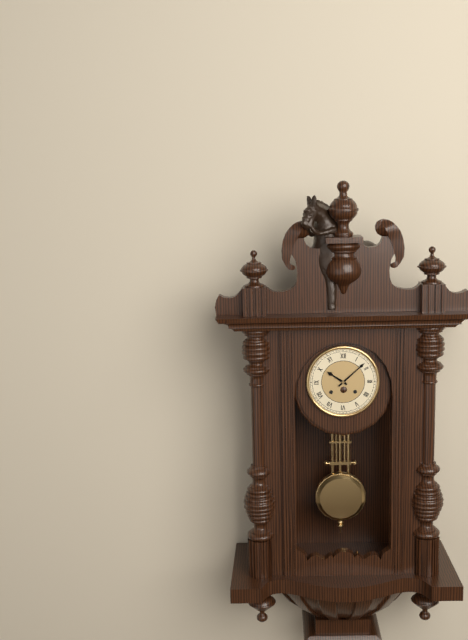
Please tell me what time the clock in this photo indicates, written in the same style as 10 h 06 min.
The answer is 10 h 08 min
